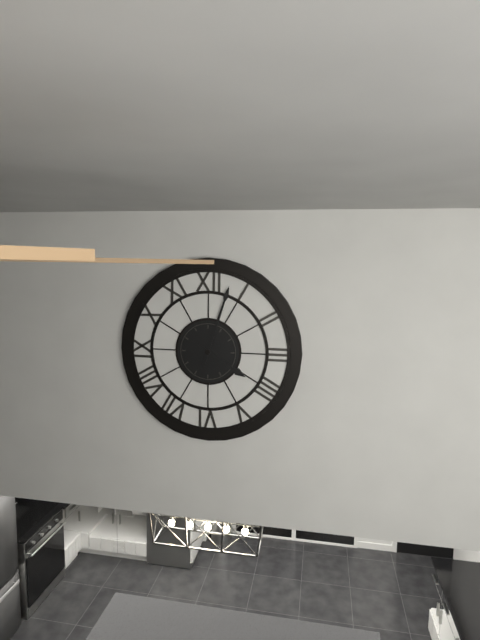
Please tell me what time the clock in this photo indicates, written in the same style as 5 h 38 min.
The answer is 4 h 03 min
